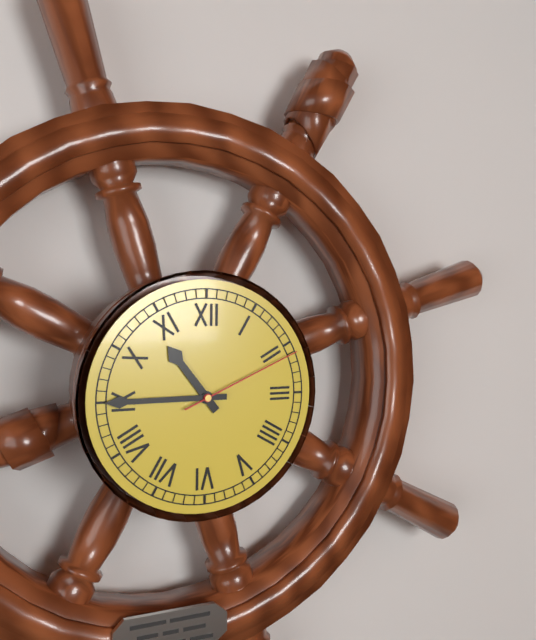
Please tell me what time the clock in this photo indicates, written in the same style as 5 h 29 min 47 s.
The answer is 10 h 45 min 11 s
